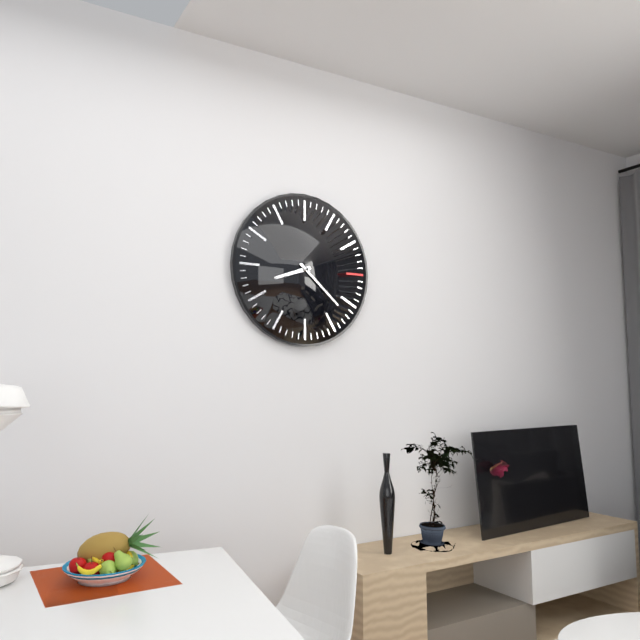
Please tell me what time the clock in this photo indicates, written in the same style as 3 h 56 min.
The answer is 8 h 22 min
